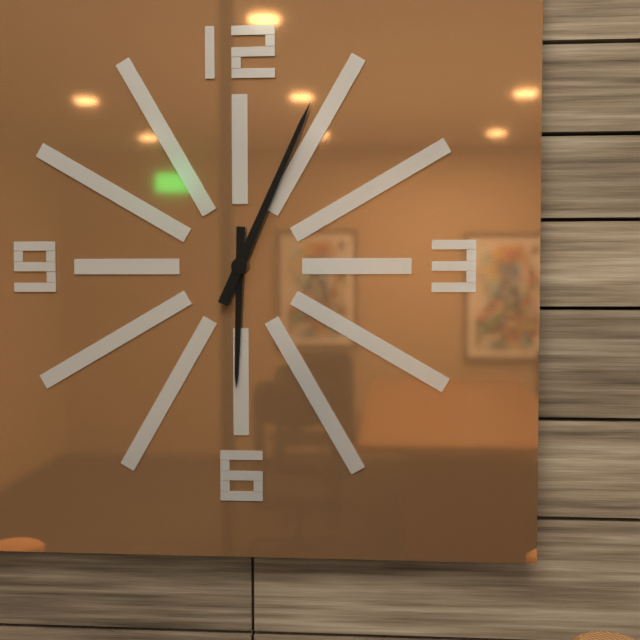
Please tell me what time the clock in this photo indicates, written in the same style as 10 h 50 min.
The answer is 6 h 04 min
